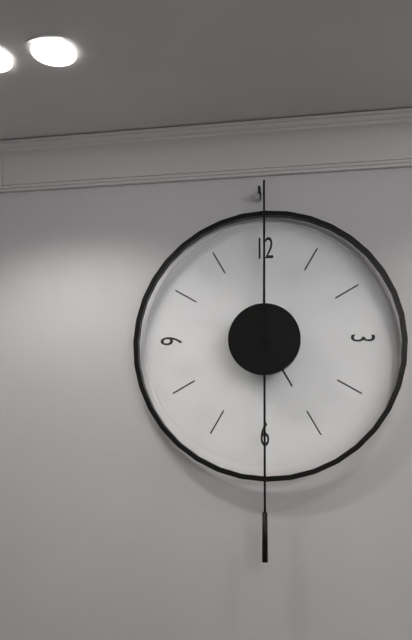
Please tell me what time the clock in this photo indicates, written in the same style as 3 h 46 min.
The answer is 5 h 00 min
